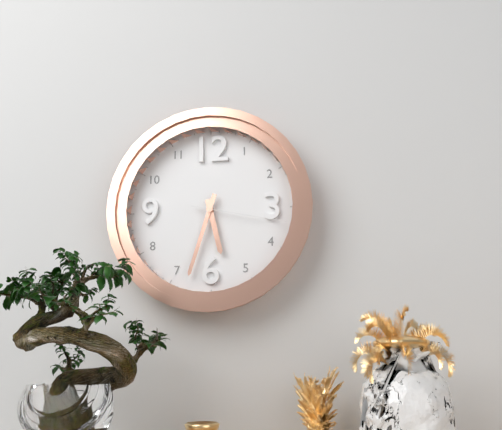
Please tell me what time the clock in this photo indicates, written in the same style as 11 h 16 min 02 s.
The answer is 5 h 33 min 17 s
